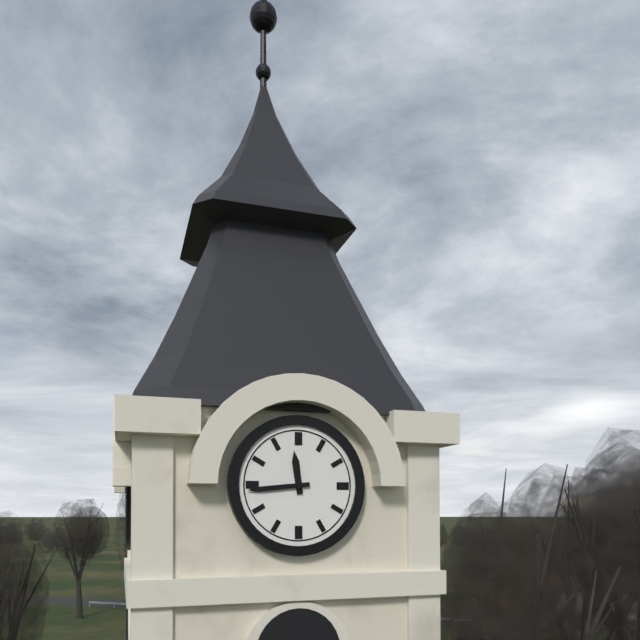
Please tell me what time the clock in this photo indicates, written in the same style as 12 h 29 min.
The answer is 11 h 44 min
